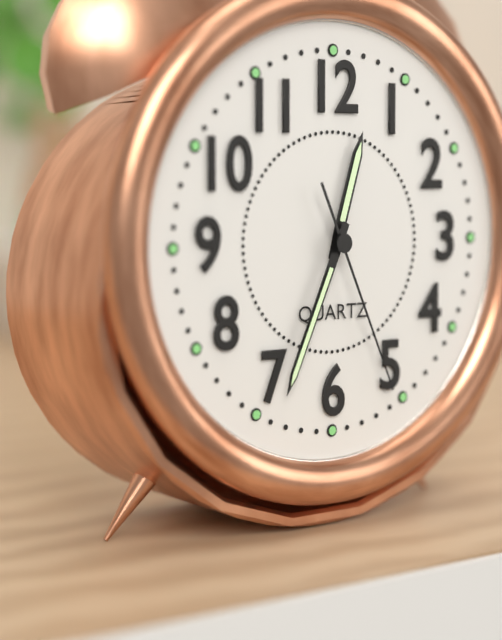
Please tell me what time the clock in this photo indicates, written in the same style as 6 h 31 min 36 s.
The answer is 12 h 34 min 26 s
